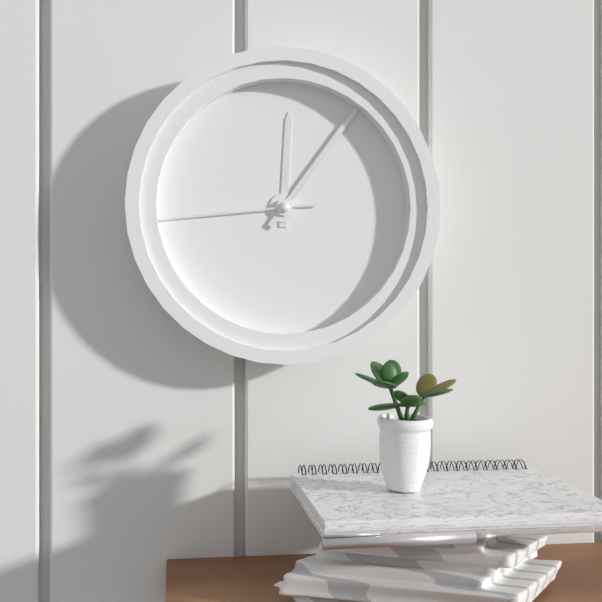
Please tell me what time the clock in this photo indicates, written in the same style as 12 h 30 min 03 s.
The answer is 12 h 06 min 44 s
